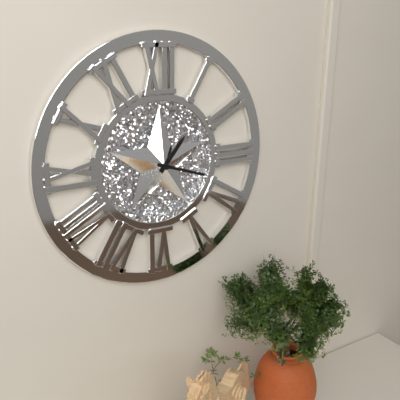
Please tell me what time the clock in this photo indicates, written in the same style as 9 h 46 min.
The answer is 1 h 18 min
